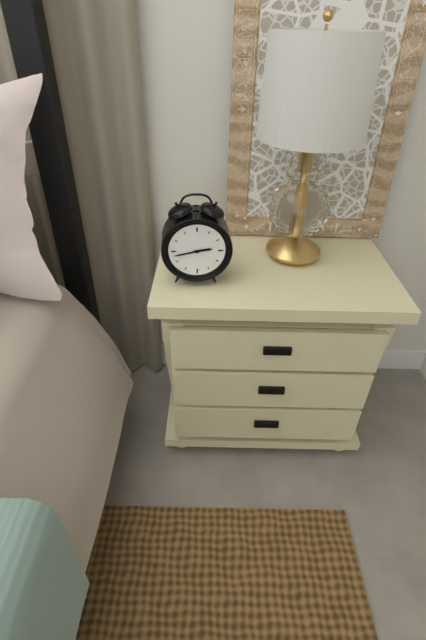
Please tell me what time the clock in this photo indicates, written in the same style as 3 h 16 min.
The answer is 2 h 43 min
